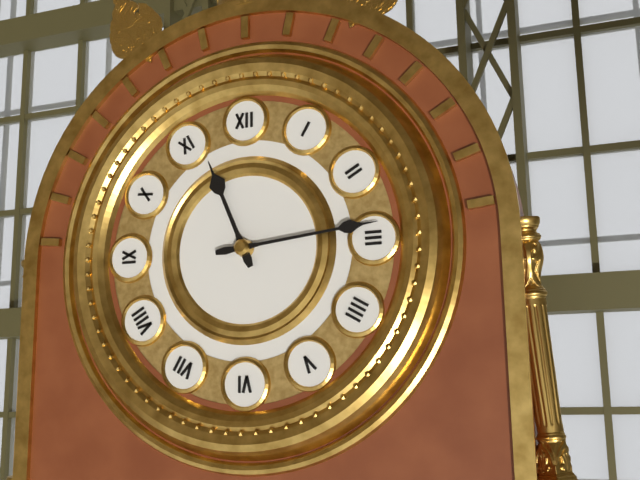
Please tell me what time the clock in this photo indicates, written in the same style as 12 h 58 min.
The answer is 11 h 14 min
